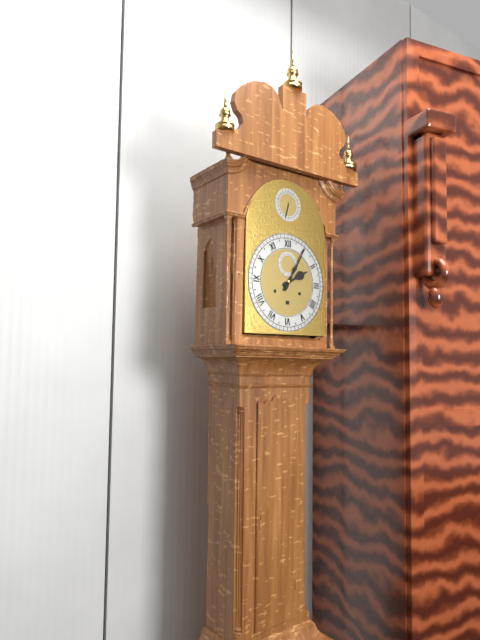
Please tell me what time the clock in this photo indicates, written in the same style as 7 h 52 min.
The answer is 2 h 05 min
